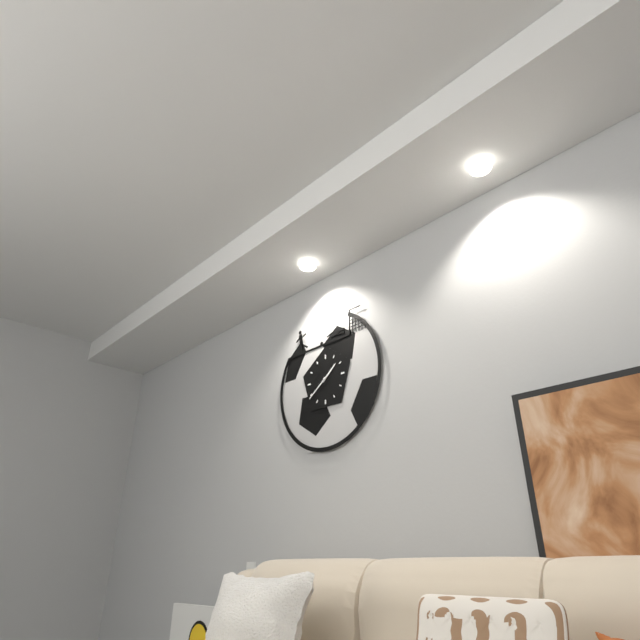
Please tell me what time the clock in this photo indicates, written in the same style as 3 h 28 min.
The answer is 1 h 39 min
